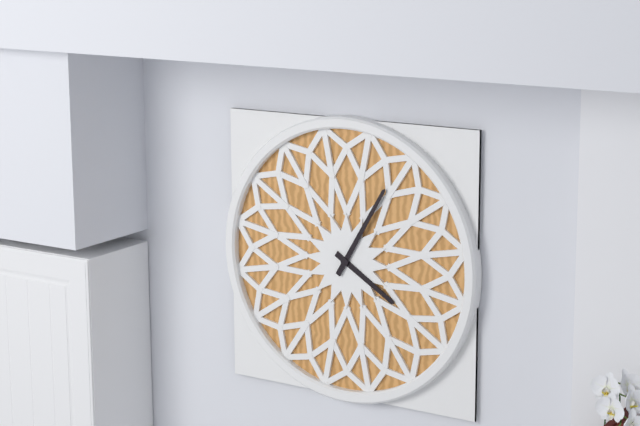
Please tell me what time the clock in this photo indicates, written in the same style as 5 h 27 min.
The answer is 4 h 05 min
